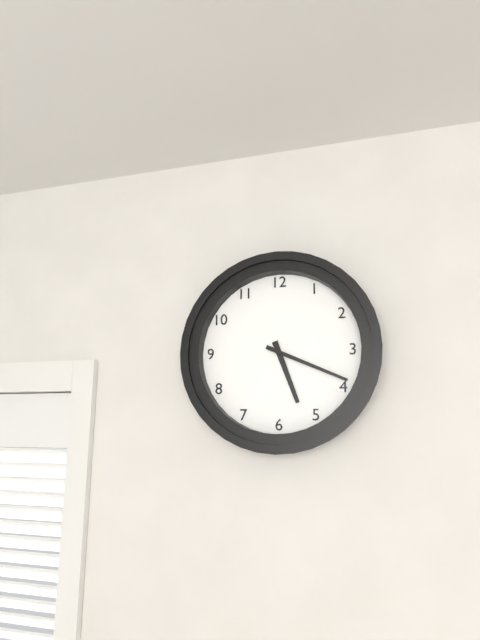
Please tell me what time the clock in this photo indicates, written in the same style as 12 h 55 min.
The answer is 5 h 19 min
